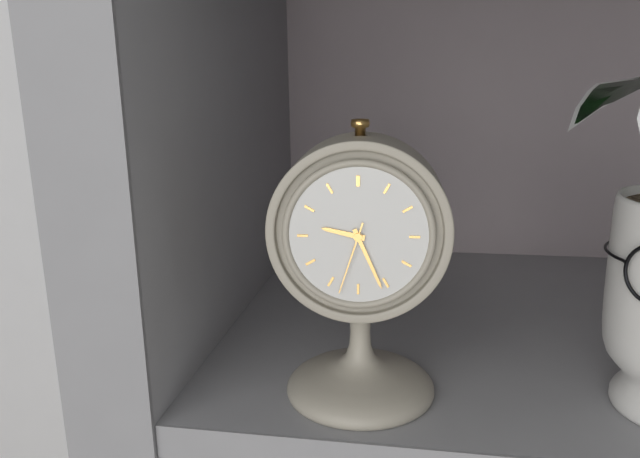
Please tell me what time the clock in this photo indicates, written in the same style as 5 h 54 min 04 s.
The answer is 9 h 26 min 33 s
